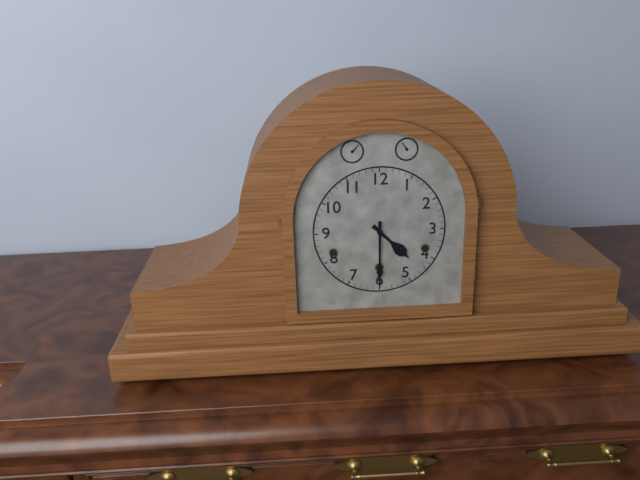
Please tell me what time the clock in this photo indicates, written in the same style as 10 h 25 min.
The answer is 4 h 30 min
